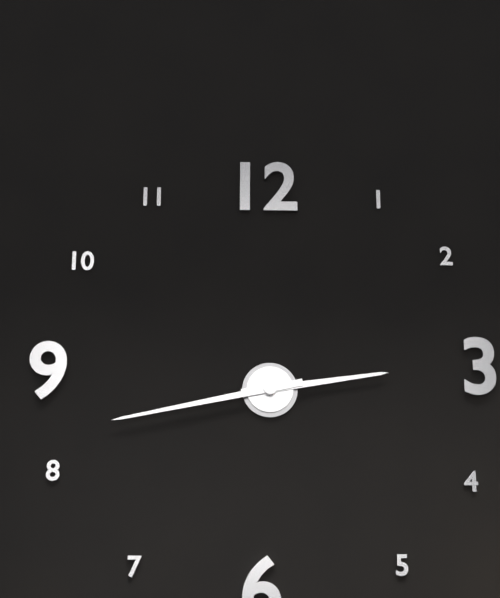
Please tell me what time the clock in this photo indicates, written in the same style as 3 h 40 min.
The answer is 2 h 43 min
